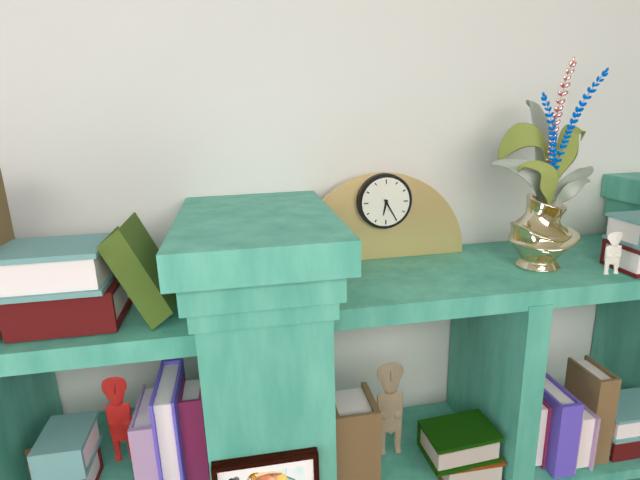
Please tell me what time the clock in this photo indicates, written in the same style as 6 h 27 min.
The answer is 6 h 25 min
